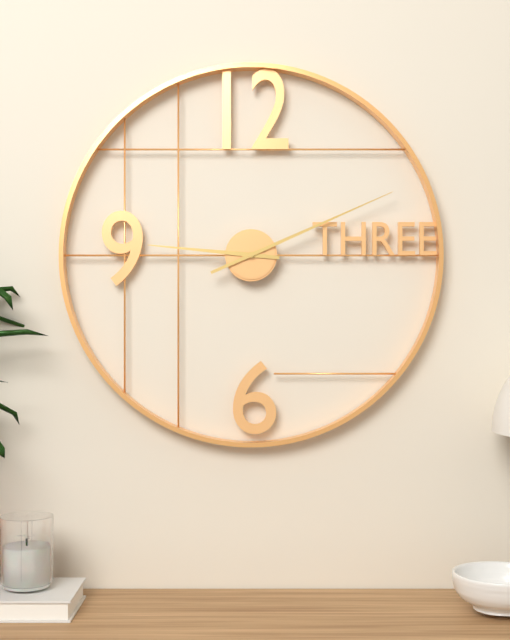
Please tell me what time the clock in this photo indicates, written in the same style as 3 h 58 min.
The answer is 9 h 11 min
